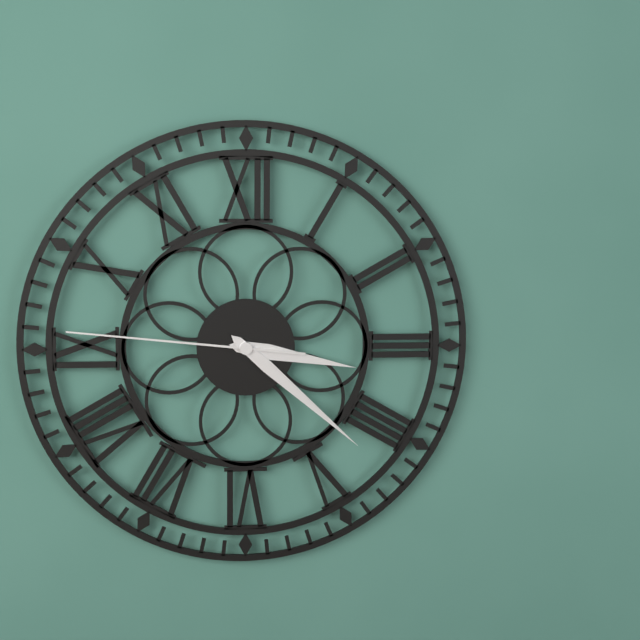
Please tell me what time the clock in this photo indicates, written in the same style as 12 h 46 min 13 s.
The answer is 3 h 22 min 46 s
